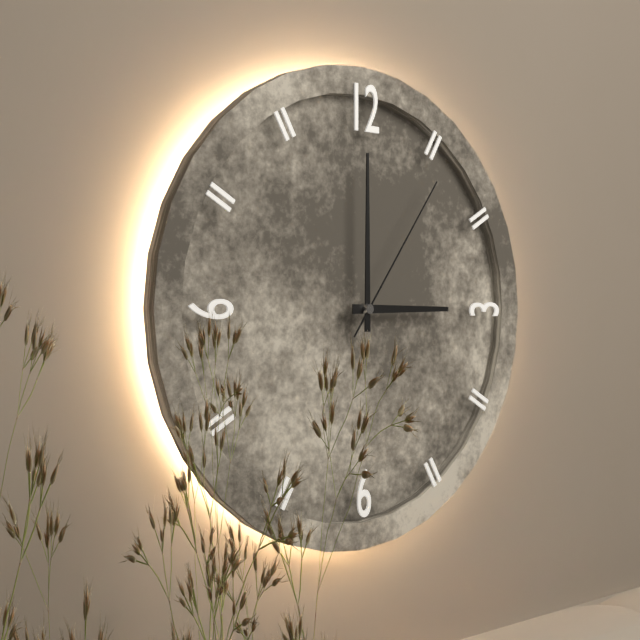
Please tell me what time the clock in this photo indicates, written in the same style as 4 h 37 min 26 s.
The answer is 3 h 00 min 06 s
